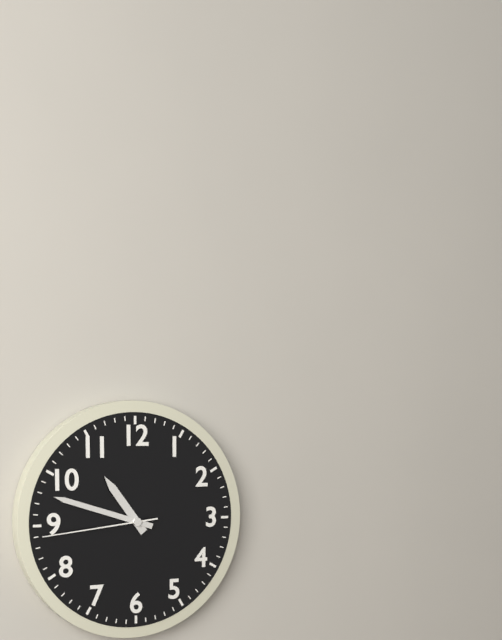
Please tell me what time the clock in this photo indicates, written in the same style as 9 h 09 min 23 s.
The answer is 10 h 48 min 44 s
